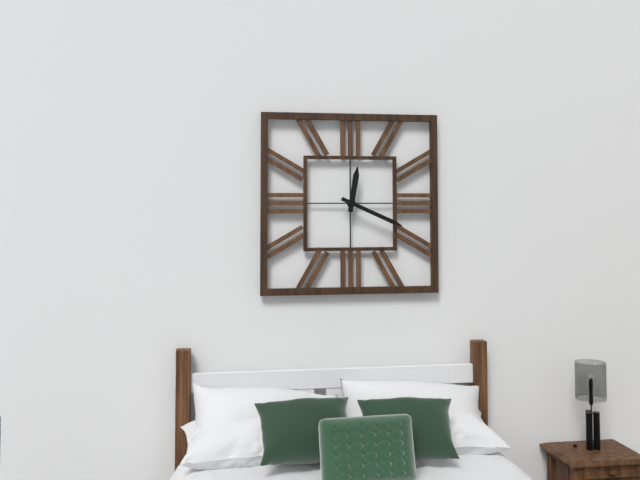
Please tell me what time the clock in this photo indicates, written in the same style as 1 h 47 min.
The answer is 12 h 19 min
